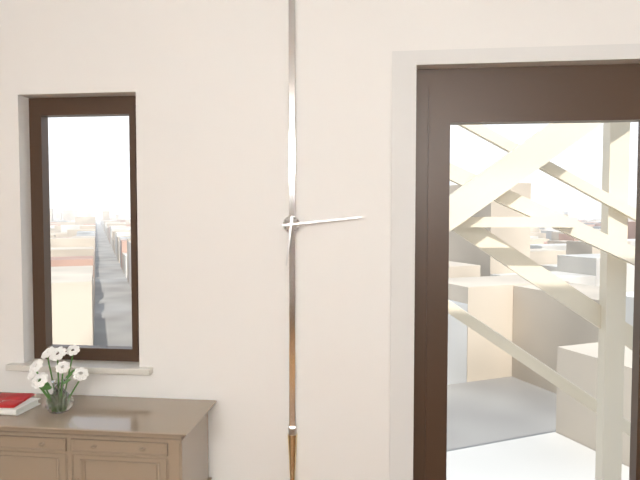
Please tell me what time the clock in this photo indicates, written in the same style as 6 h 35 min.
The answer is 6 h 14 min
